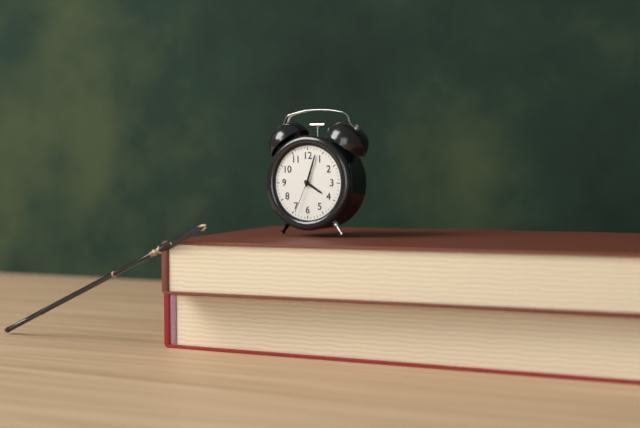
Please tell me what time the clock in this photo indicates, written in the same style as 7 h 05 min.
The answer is 4 h 03 min
